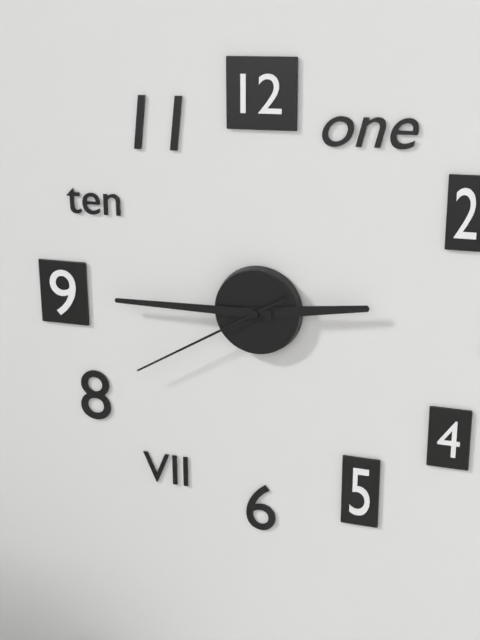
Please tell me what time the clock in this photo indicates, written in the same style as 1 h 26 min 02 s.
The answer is 2 h 45 min 40 s
